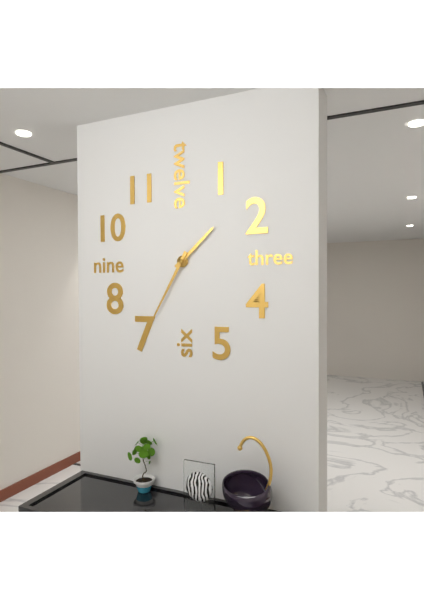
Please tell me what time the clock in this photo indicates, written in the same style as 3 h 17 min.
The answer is 1 h 35 min
